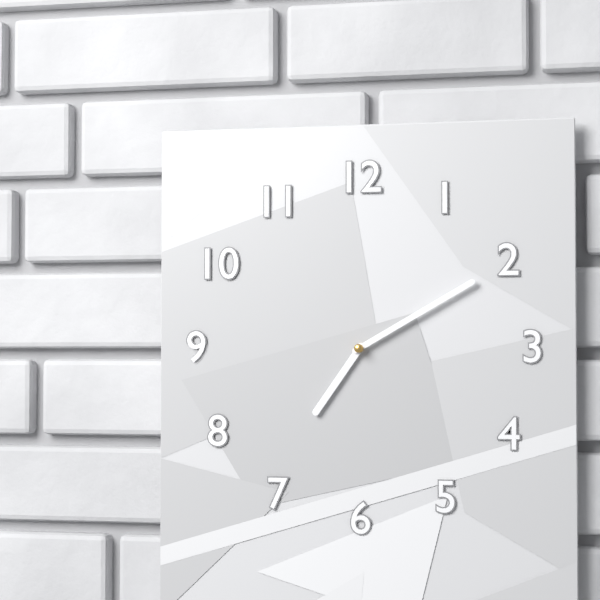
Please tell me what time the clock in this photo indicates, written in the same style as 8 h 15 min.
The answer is 7 h 10 min
